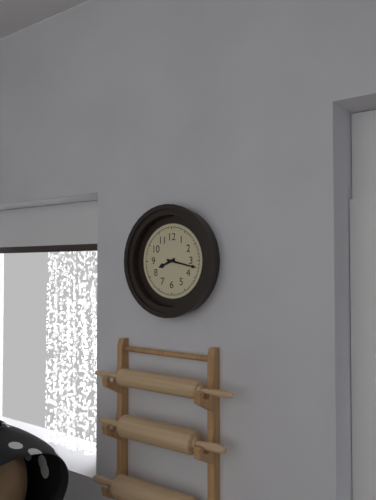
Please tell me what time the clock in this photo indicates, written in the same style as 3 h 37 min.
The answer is 8 h 17 min
